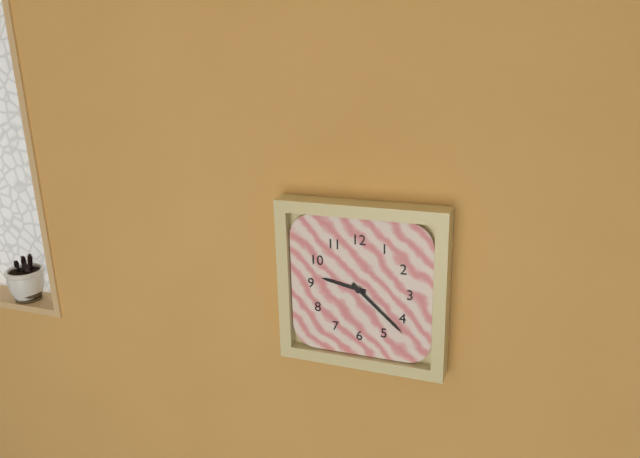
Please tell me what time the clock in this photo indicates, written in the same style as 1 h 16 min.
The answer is 9 h 22 min
